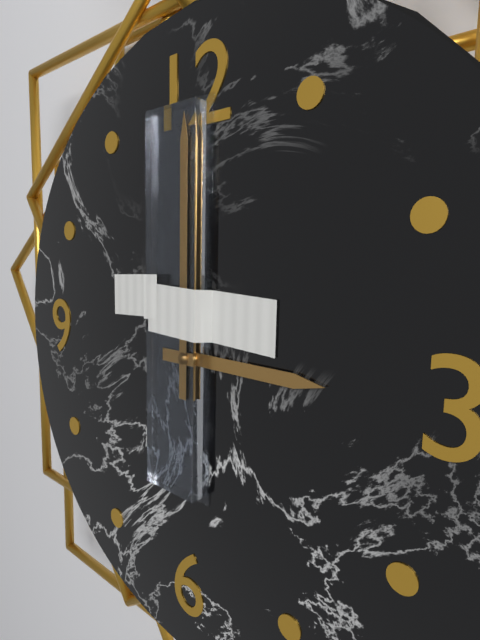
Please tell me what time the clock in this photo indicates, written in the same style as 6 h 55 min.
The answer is 3 h 00 min
